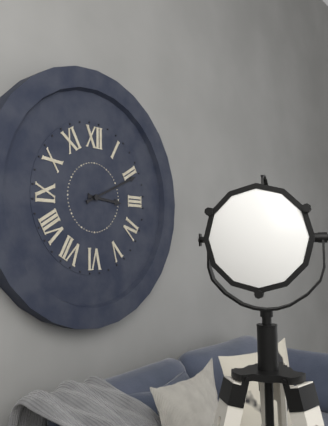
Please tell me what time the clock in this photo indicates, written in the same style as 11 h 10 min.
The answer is 3 h 11 min
